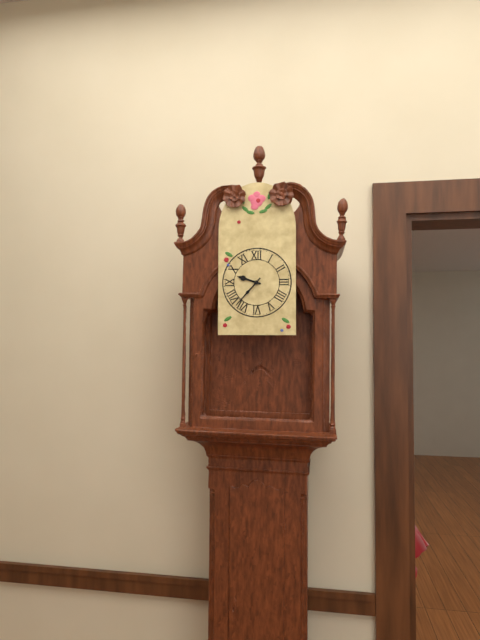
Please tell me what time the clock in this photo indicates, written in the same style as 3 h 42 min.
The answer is 9 h 37 min
